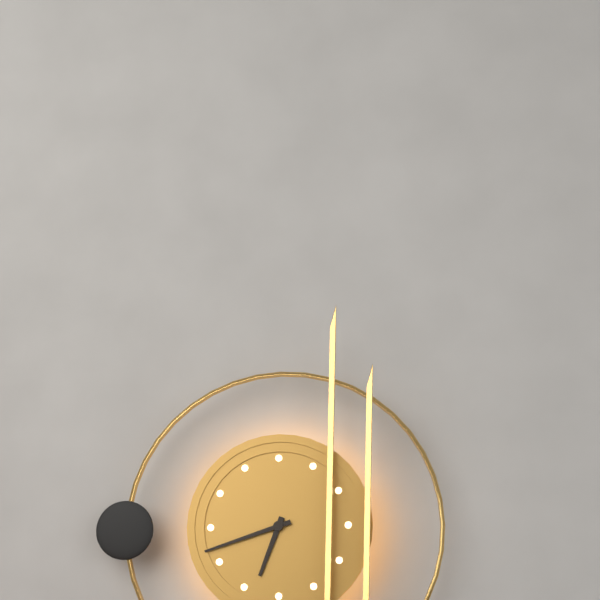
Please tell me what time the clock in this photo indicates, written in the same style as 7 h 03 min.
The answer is 6 h 42 min
